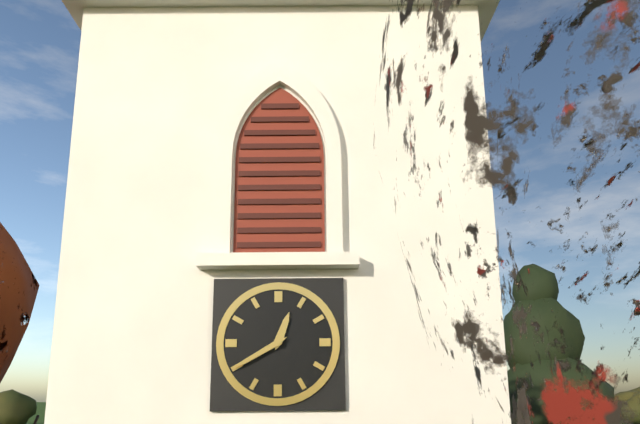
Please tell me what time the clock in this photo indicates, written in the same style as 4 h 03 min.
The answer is 12 h 40 min
